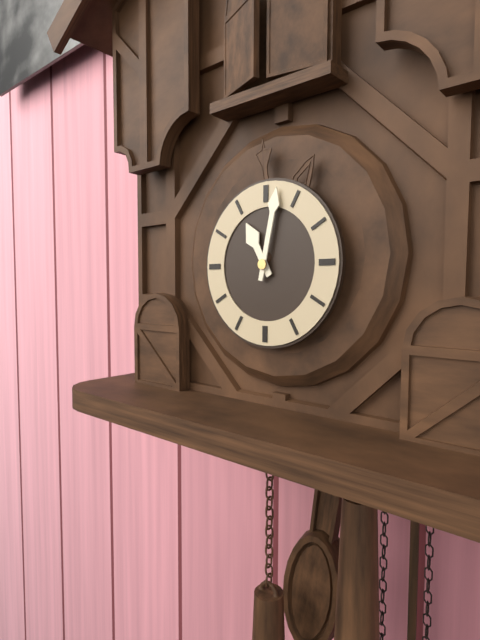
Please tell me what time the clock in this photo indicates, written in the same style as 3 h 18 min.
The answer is 11 h 02 min
